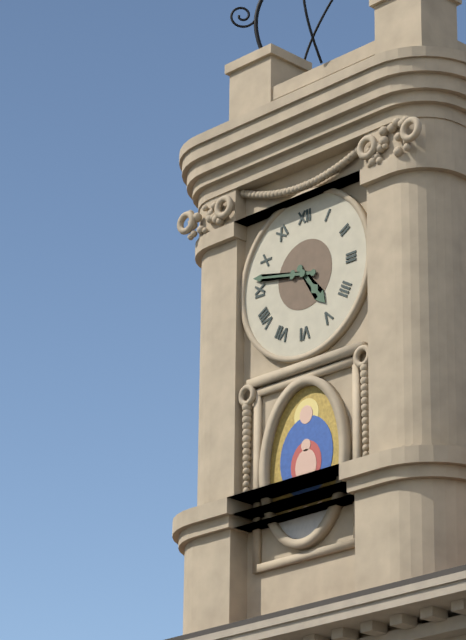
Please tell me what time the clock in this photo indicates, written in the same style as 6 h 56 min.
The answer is 4 h 47 min
